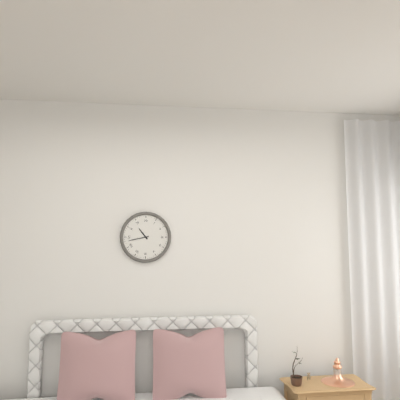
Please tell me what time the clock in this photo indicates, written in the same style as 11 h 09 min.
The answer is 10 h 43 min
